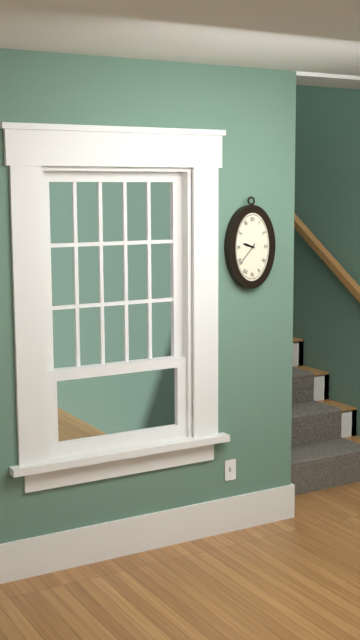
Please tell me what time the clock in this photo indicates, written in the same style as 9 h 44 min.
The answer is 9 h 37 min
